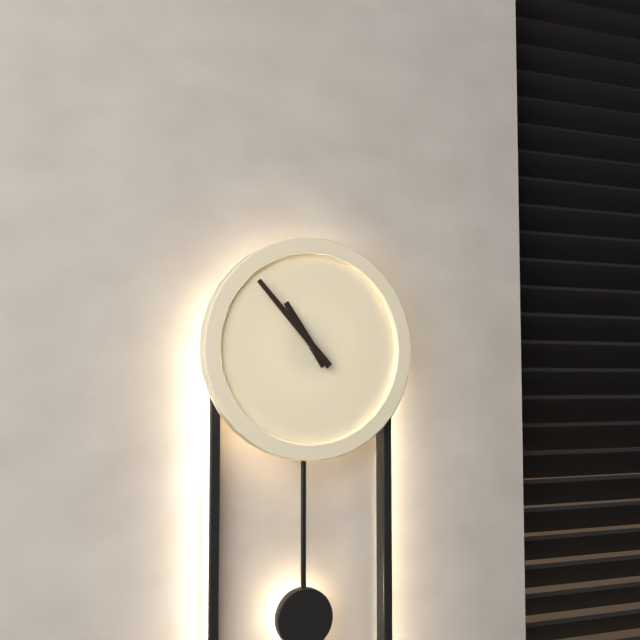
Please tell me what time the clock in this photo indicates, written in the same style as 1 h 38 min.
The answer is 10 h 53 min
